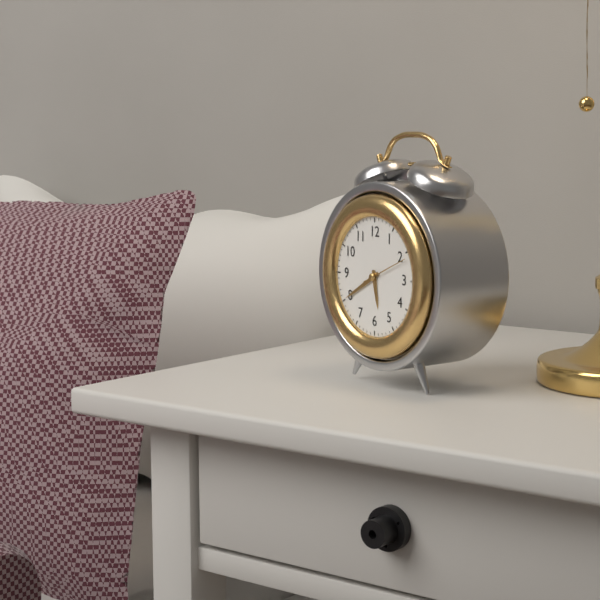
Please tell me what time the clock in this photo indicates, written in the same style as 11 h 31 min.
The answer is 5 h 40 min
